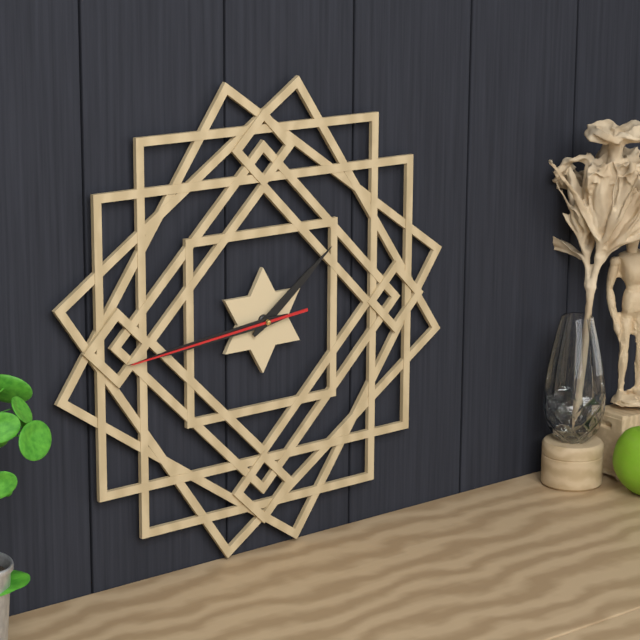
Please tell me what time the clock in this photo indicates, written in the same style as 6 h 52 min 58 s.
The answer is 1 h 44 min 44 s
